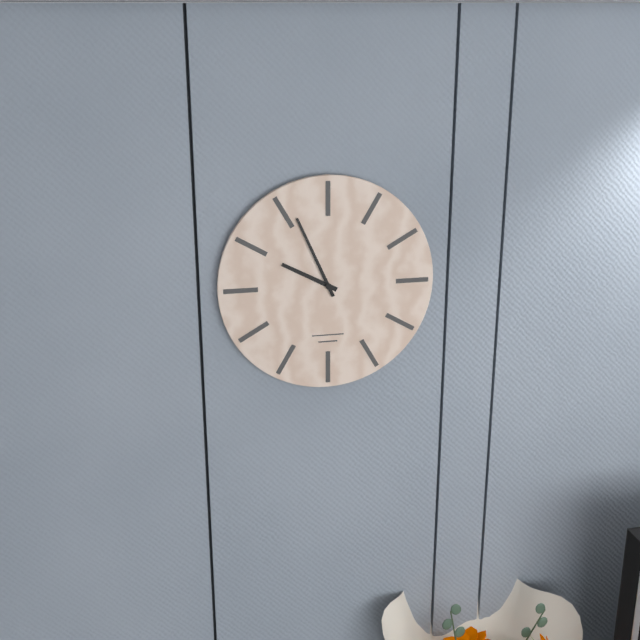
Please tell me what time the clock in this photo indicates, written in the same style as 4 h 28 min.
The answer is 9 h 56 min
